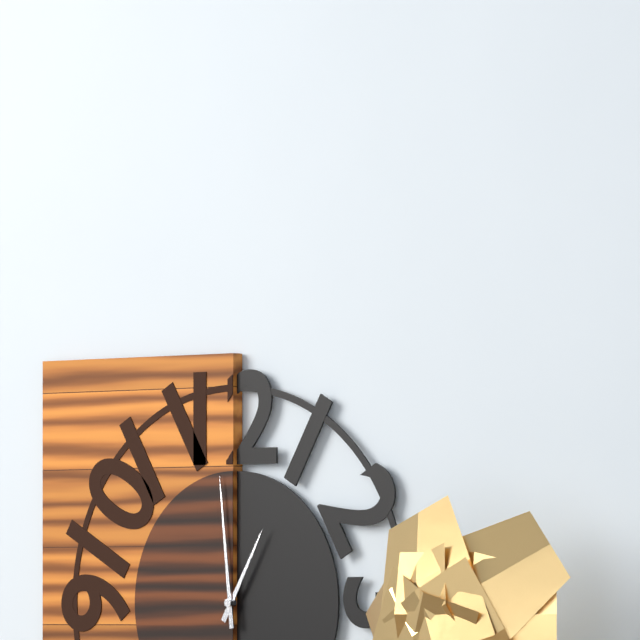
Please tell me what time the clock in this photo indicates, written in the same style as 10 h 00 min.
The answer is 12 h 59 min
